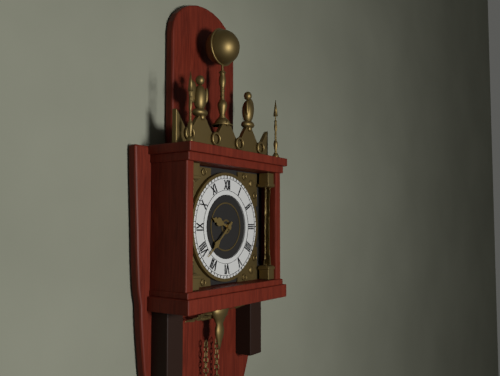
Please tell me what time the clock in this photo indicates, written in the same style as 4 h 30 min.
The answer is 9 h 38 min
